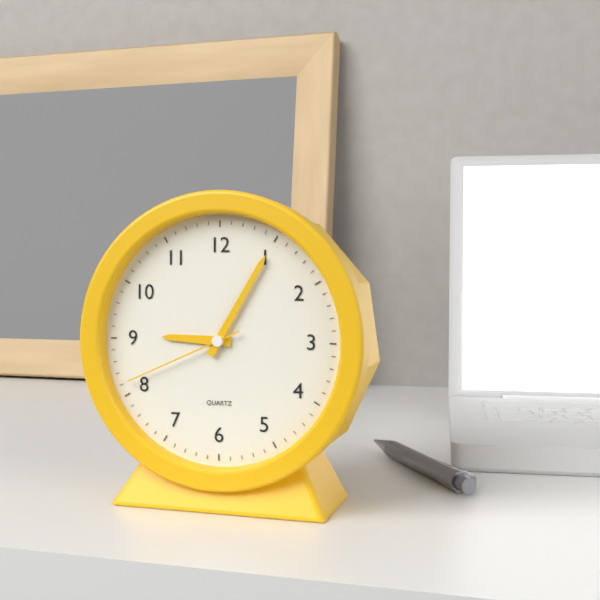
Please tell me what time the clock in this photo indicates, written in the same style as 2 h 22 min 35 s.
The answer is 9 h 05 min 41 s
